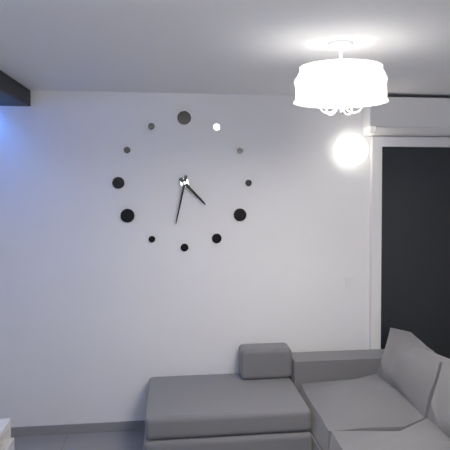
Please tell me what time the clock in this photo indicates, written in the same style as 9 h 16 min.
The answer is 4 h 32 min
